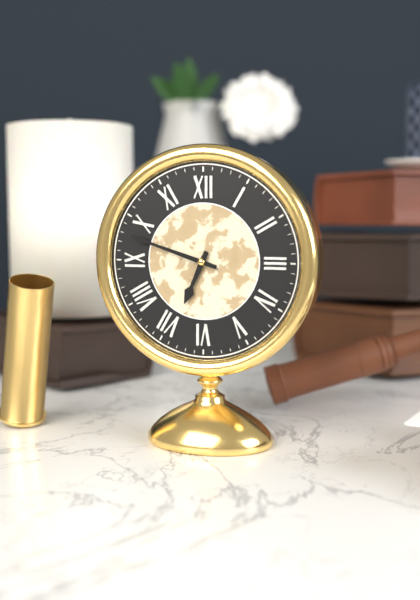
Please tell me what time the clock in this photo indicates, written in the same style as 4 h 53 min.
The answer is 6 h 48 min
